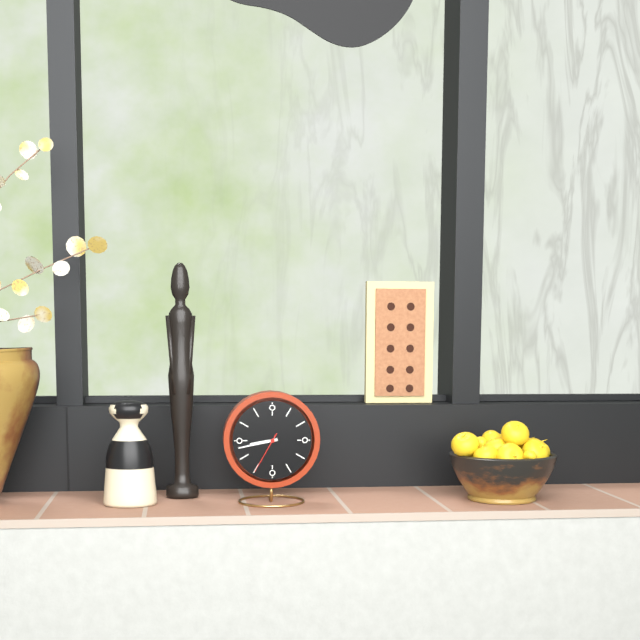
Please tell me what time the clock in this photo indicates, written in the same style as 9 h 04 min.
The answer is 8 h 43 min
